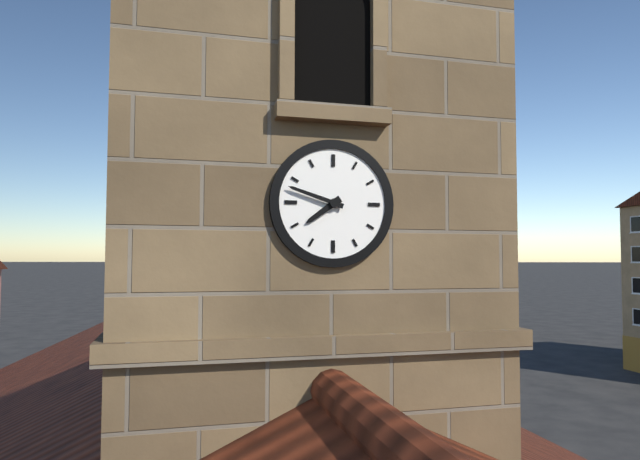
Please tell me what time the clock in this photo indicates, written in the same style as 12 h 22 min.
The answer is 7 h 48 min
